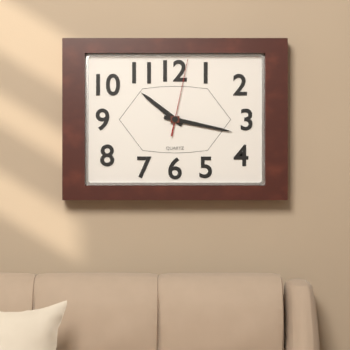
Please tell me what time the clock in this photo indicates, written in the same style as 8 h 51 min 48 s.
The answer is 10 h 17 min 02 s
